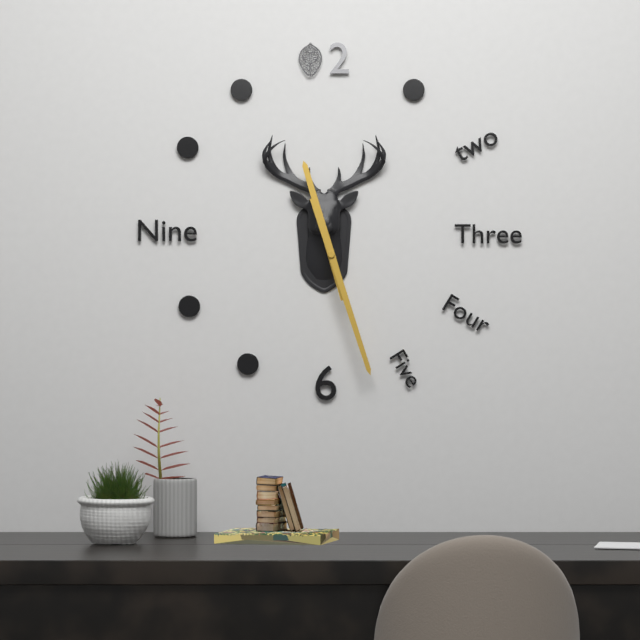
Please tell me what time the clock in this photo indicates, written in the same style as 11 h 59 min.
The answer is 11 h 27 min
